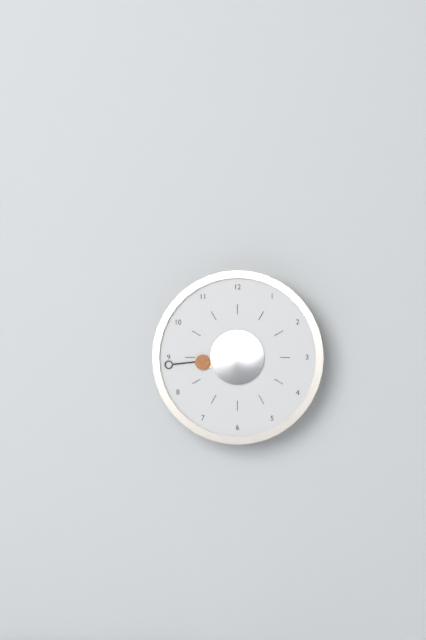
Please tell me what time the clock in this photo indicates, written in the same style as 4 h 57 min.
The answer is 8 h 44 min
